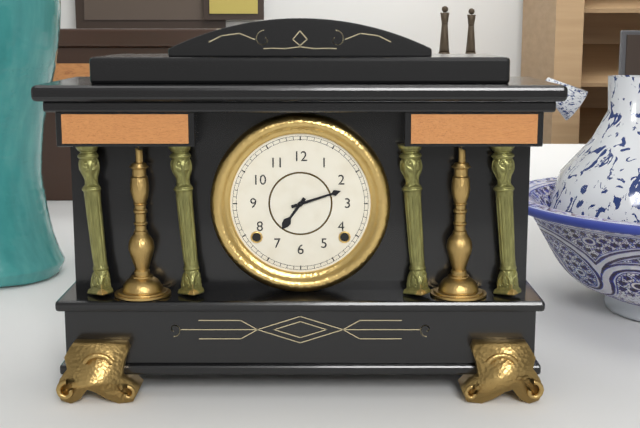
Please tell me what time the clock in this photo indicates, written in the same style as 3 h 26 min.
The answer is 7 h 12 min
